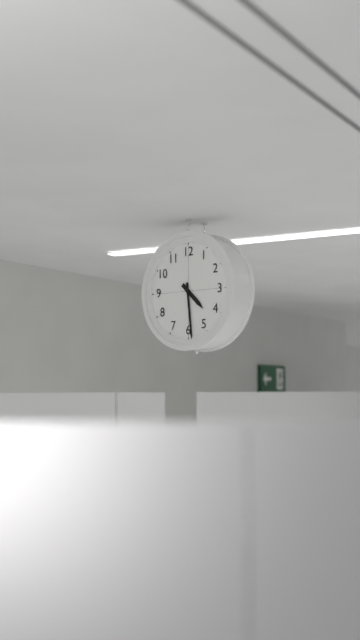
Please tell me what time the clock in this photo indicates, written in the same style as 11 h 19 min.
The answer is 4 h 29 min
